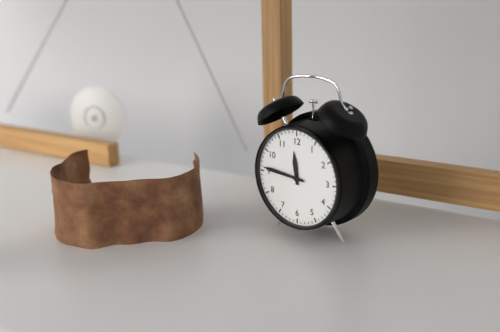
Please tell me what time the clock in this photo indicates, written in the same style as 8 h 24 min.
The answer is 11 h 46 min
